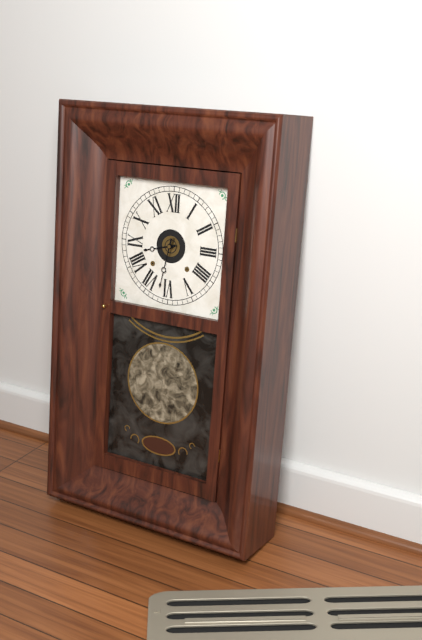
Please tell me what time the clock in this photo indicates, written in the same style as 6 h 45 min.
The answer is 8 h 32 min
